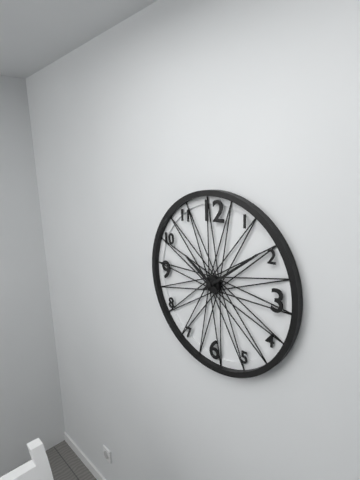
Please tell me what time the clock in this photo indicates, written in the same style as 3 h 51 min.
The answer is 10 h 09 min
